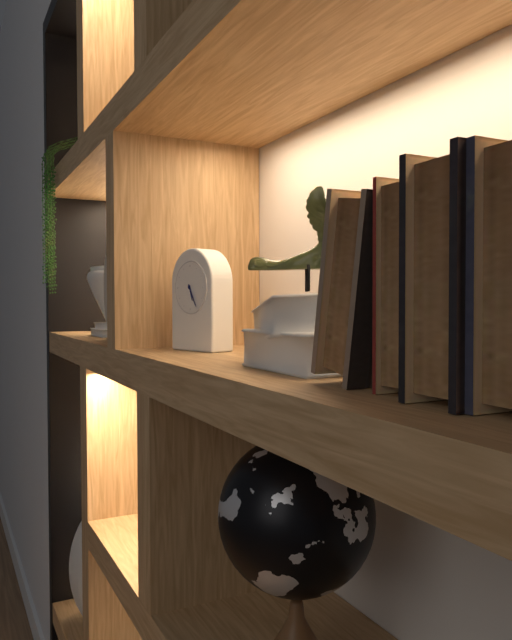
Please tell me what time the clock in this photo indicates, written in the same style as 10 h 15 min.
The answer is 5 h 25 min
